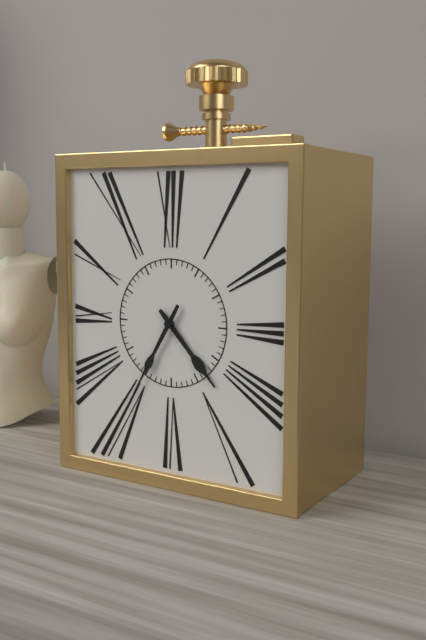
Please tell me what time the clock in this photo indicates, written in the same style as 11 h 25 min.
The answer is 4 h 35 min
